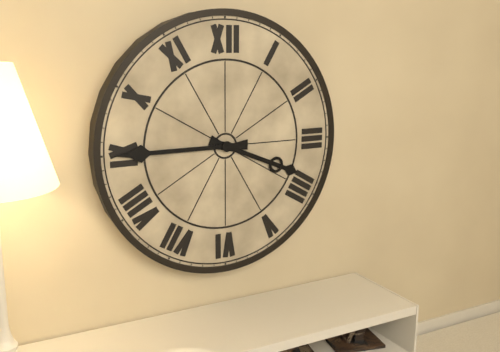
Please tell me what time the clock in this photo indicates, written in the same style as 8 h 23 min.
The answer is 3 h 45 min
